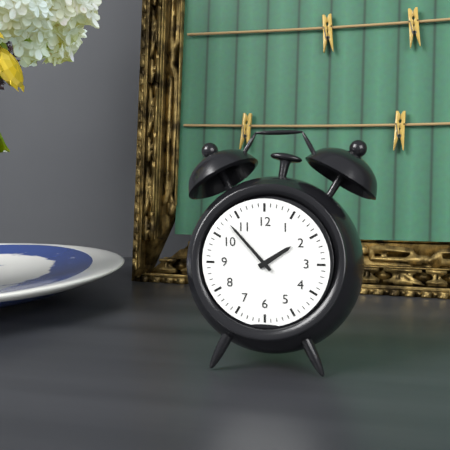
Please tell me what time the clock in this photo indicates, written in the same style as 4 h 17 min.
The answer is 1 h 53 min
